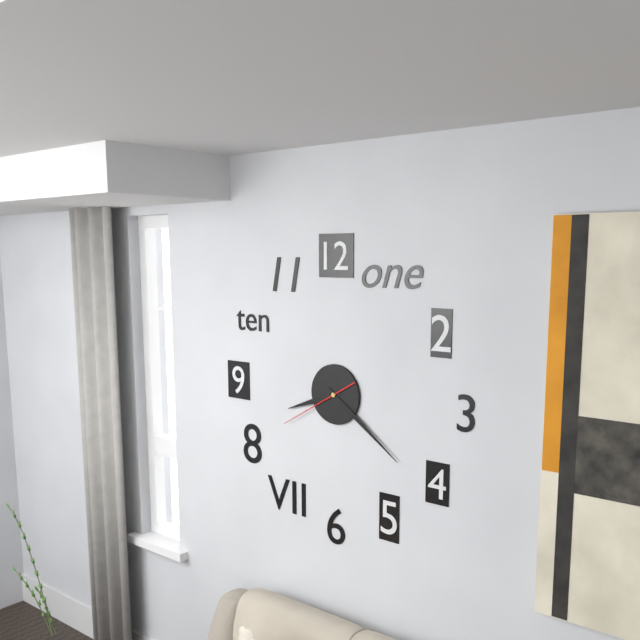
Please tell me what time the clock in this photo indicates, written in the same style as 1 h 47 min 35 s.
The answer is 8 h 21 min 40 s
